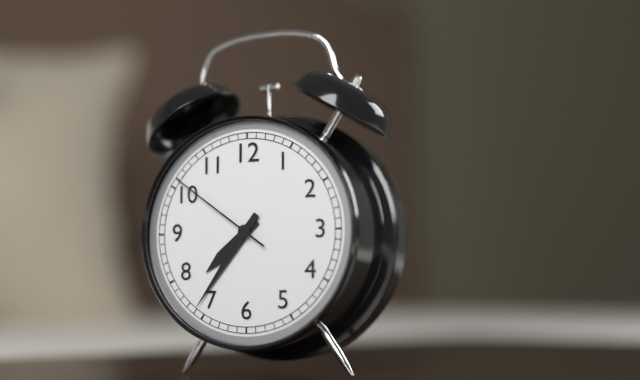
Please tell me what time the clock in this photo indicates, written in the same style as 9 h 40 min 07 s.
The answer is 7 h 36 min 51 s
